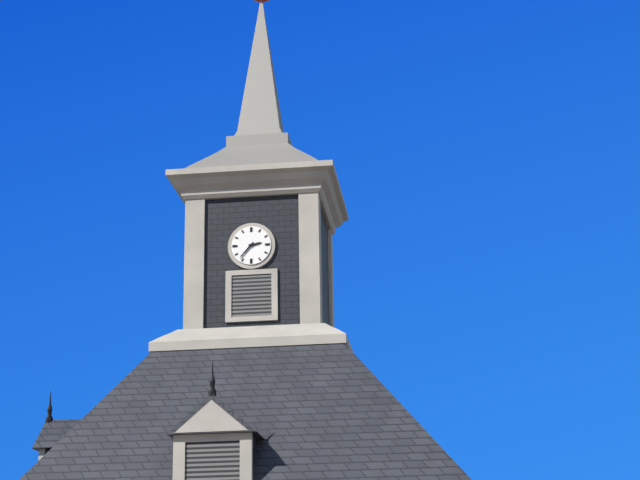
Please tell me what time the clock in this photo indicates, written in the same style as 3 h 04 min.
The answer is 2 h 37 min
